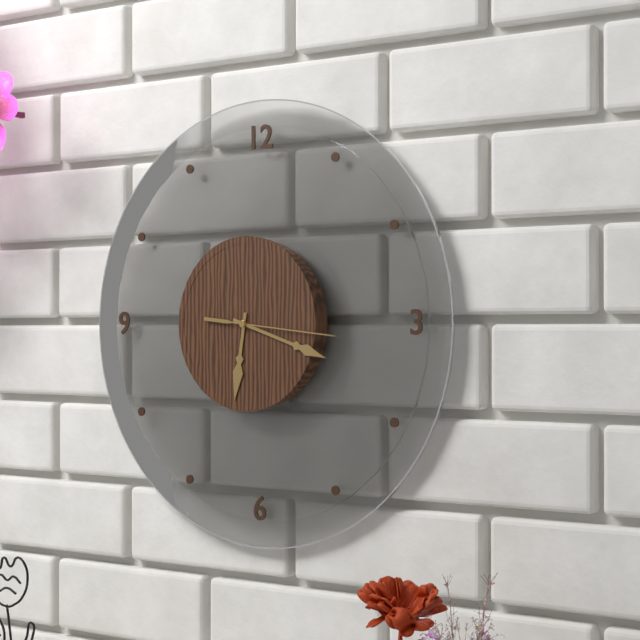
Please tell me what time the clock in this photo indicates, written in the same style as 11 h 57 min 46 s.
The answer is 6 h 18 min 16 s
